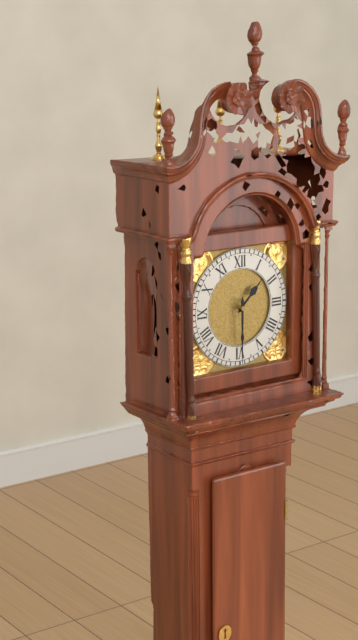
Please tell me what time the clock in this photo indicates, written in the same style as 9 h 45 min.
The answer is 1 h 30 min
